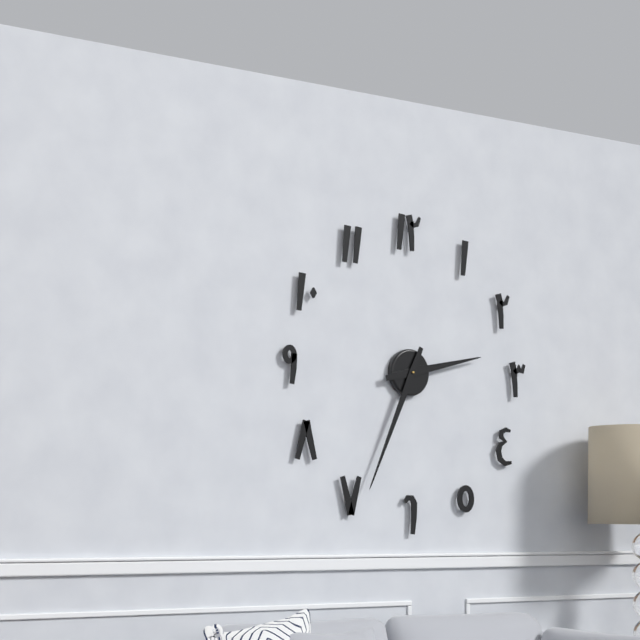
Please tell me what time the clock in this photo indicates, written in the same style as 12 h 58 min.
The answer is 2 h 34 min
